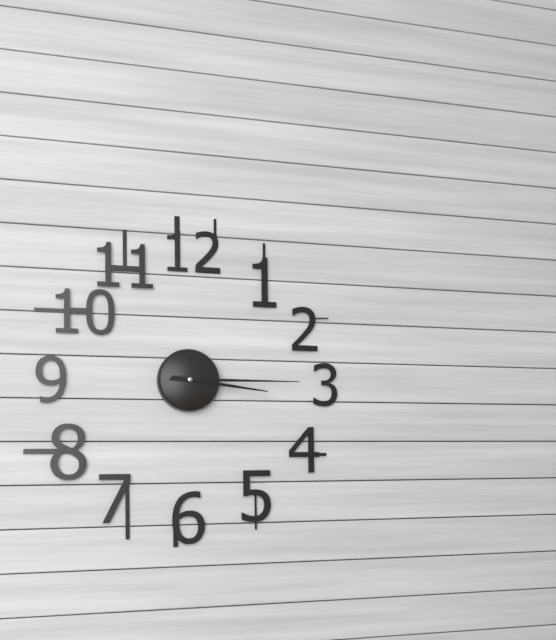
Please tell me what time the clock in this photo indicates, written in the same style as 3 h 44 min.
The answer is 3 h 15 min
